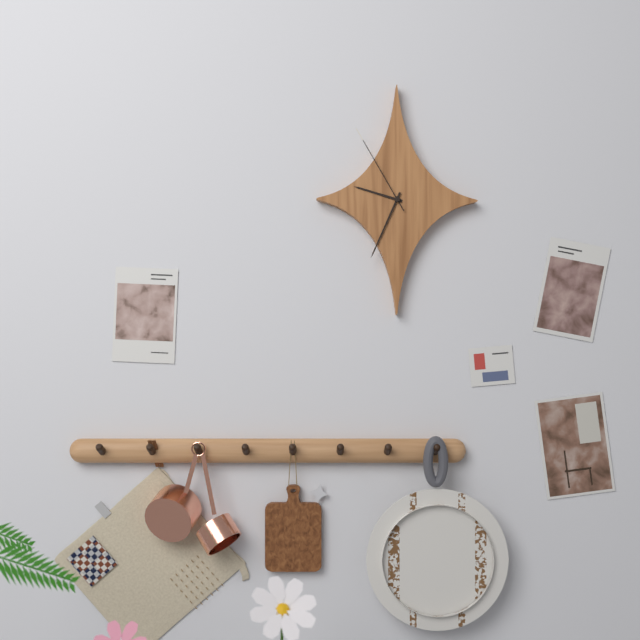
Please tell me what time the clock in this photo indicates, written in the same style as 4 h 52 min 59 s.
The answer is 9 h 34 min 55 s
